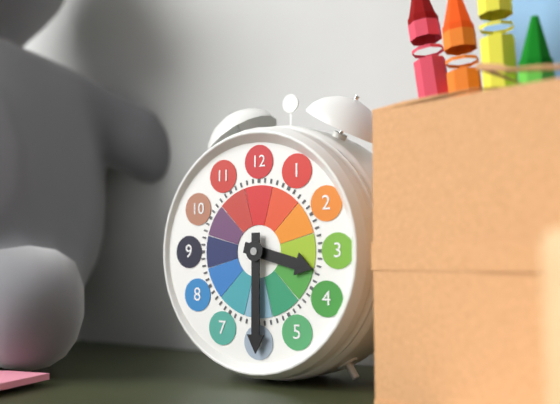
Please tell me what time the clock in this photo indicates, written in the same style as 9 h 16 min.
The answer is 3 h 30 min
